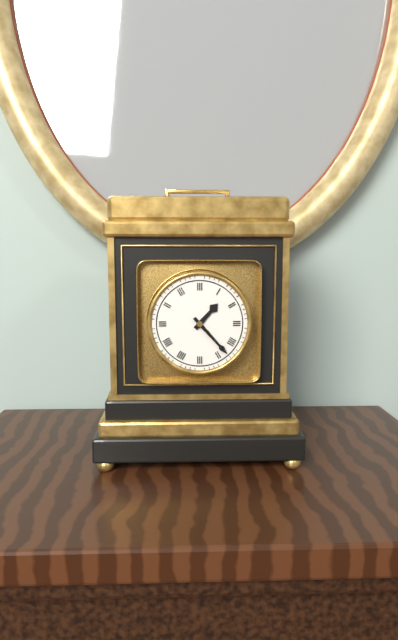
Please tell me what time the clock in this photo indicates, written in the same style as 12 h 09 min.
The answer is 1 h 23 min
